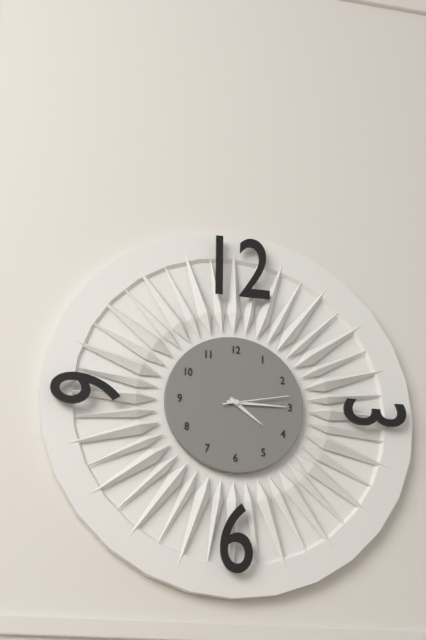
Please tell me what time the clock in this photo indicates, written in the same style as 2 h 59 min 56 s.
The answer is 4 h 15 min 13 s
